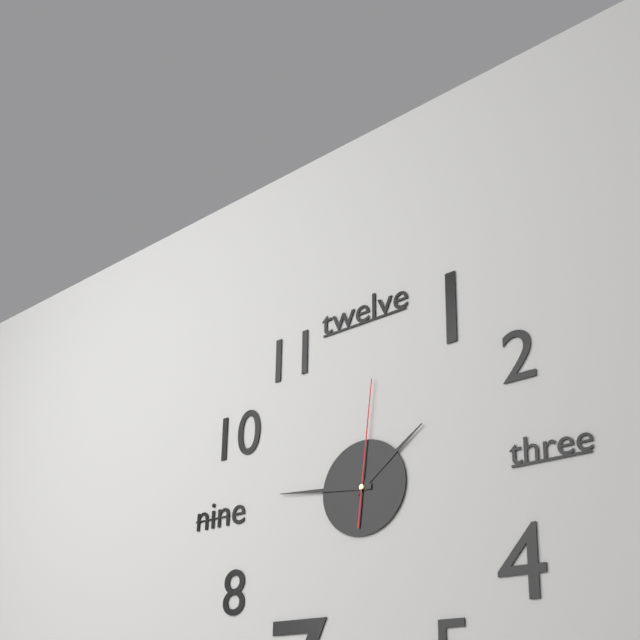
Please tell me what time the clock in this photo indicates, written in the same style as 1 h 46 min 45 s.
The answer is 1 h 46 min 01 s
